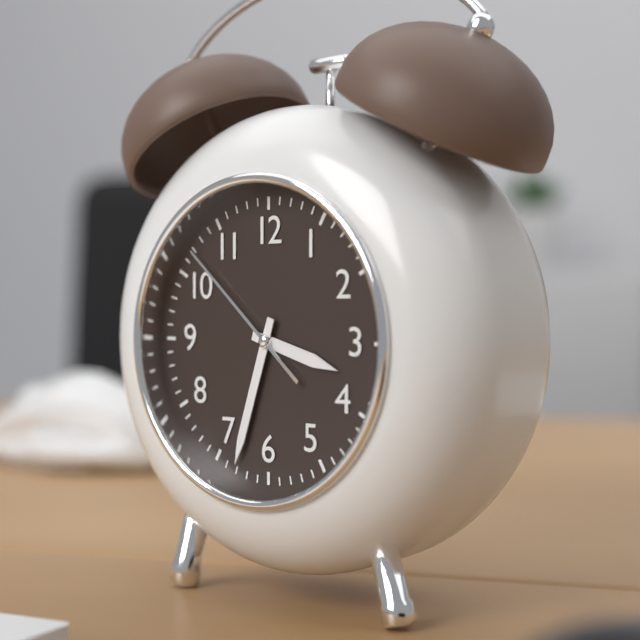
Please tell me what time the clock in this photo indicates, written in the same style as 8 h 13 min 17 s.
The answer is 3 h 33 min 52 s
